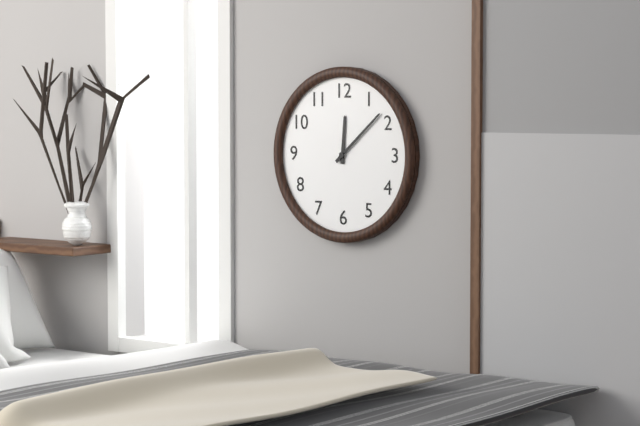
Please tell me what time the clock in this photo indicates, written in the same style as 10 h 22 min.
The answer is 12 h 08 min
